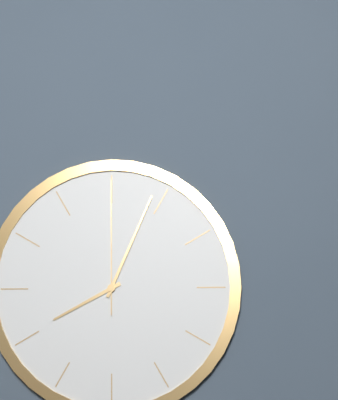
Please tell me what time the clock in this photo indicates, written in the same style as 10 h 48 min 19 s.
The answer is 8 h 04 min 00 s
